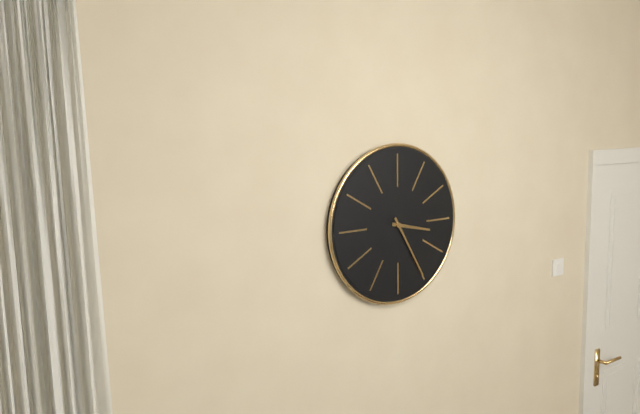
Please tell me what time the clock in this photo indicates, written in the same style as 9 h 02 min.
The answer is 3 h 25 min
